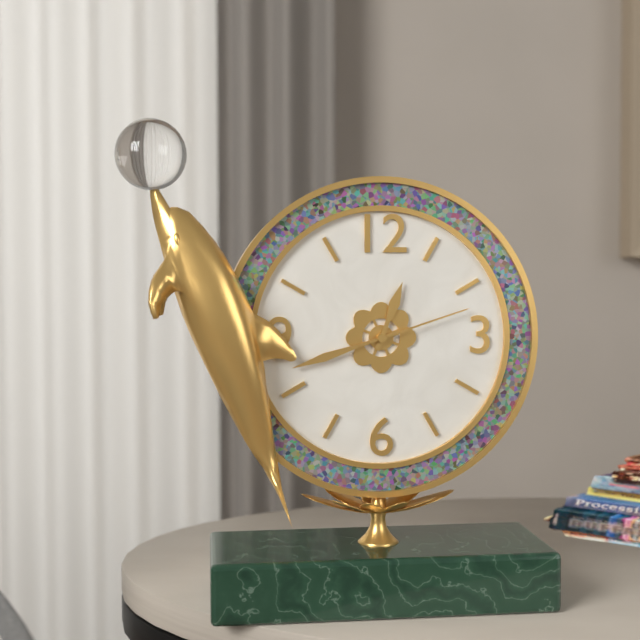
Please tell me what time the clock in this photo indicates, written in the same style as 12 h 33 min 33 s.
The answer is 12 h 42 min 12 s
